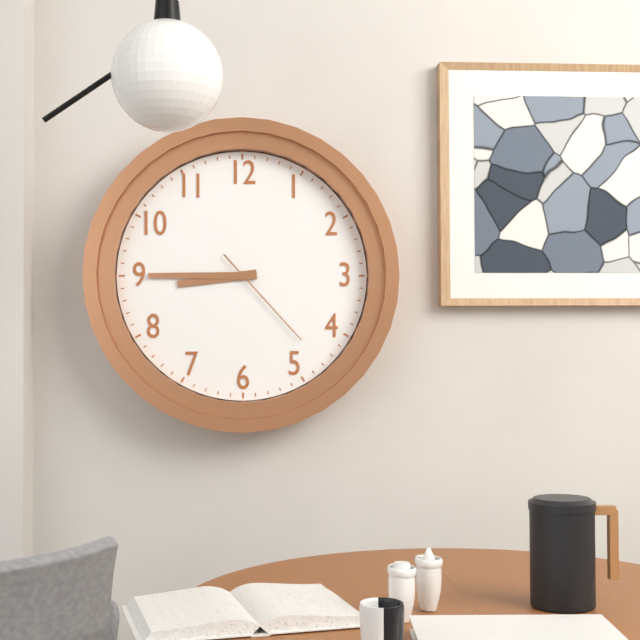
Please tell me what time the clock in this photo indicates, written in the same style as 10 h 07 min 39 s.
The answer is 8 h 45 min 23 s
